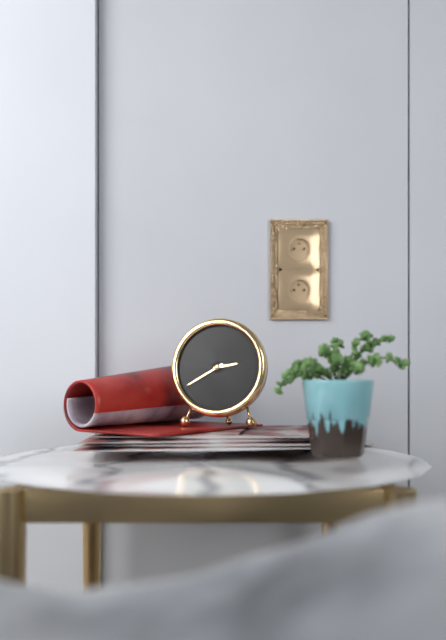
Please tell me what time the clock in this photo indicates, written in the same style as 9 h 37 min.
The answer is 2 h 40 min
